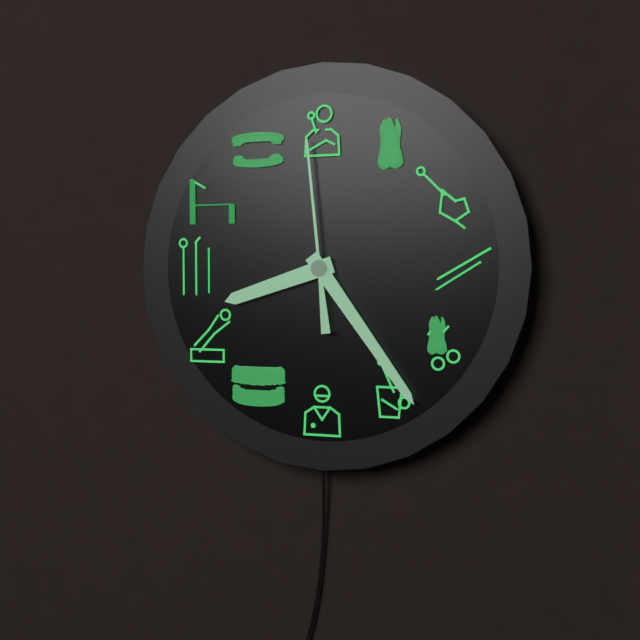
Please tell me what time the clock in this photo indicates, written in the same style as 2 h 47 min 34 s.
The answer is 8 h 24 min 59 s
